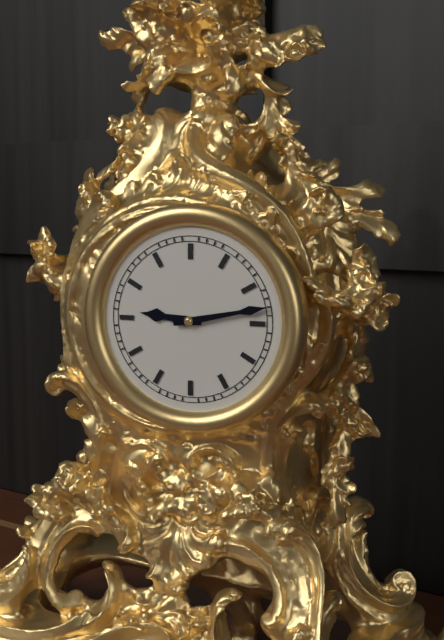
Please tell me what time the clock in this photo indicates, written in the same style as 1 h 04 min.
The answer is 9 h 13 min
